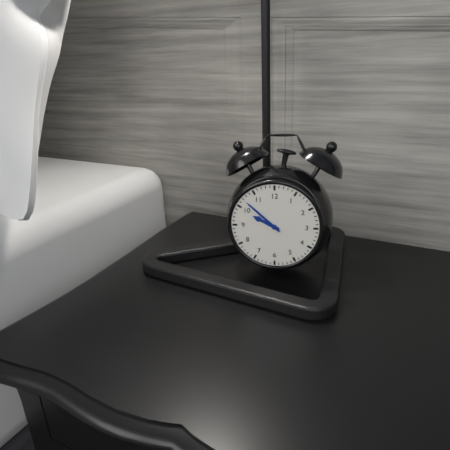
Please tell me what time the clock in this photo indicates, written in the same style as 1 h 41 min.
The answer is 9 h 52 min
